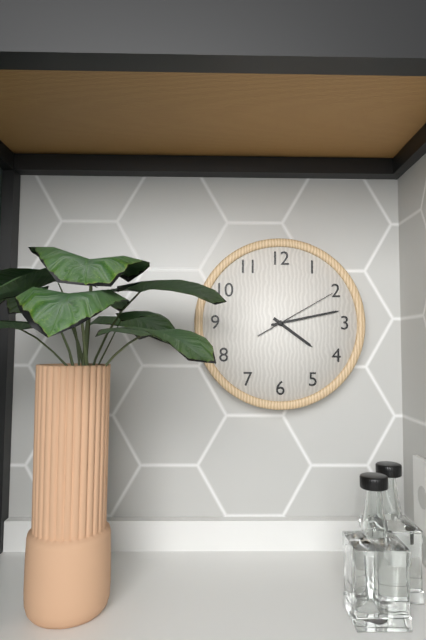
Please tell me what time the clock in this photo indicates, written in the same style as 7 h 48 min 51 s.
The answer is 4 h 13 min 10 s
